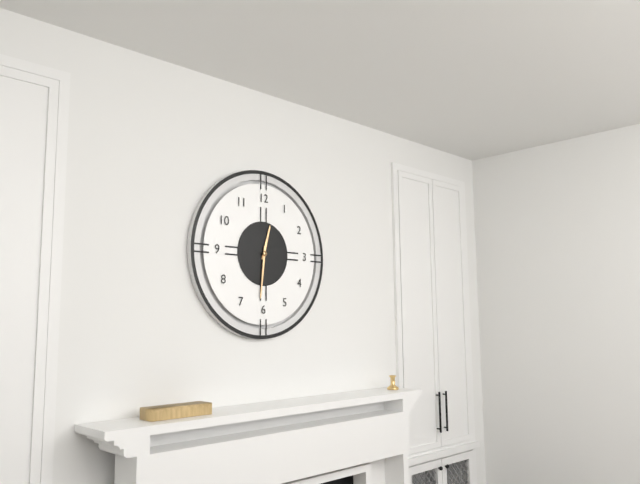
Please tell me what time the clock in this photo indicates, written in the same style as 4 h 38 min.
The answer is 12 h 31 min
